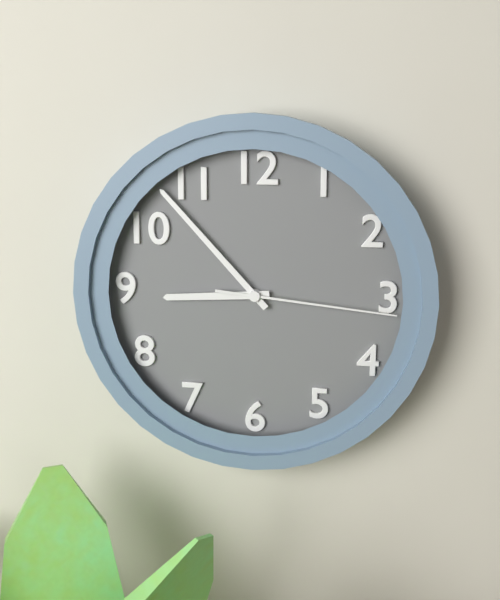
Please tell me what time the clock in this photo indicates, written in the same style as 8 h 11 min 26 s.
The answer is 8 h 53 min 16 s
